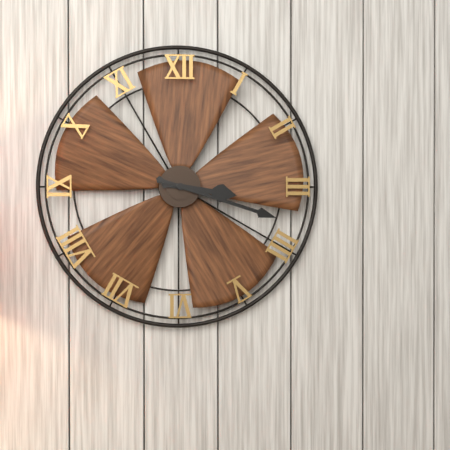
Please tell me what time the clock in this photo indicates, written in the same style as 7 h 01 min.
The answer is 3 h 18 min
